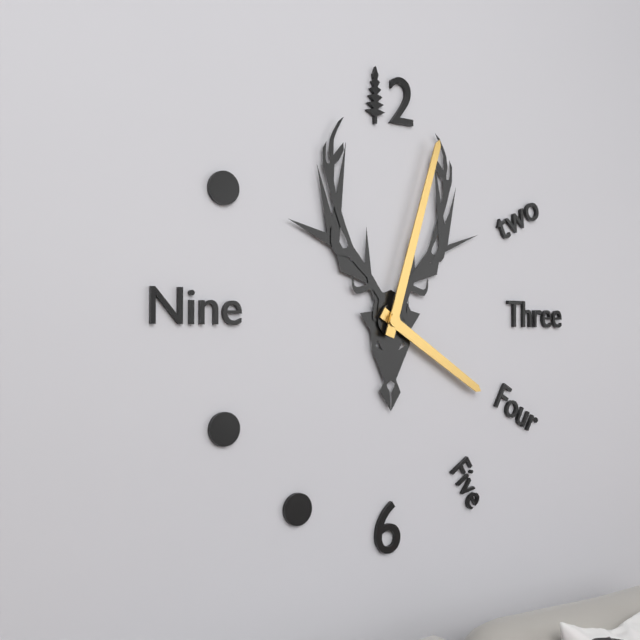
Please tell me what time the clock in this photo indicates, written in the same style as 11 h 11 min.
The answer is 4 h 03 min
